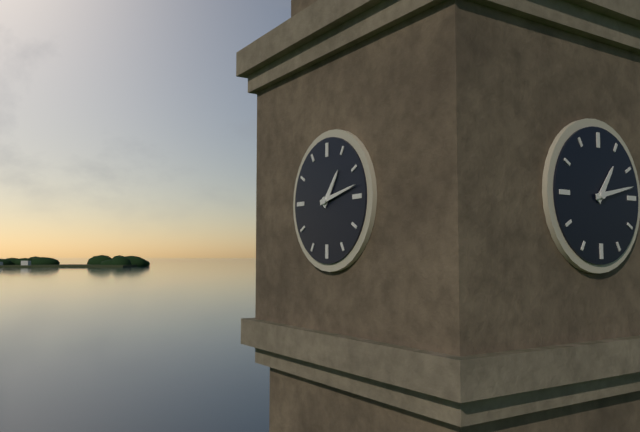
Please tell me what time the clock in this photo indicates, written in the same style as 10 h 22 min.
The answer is 1 h 13 min
